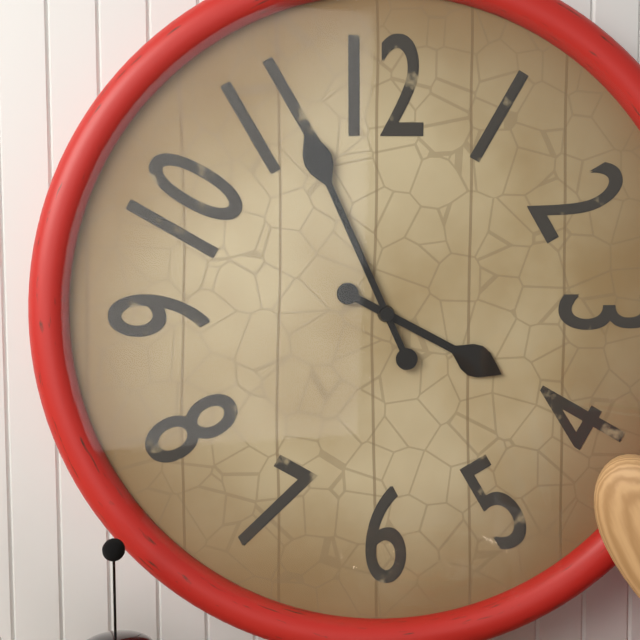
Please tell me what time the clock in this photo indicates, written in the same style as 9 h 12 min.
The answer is 3 h 56 min
